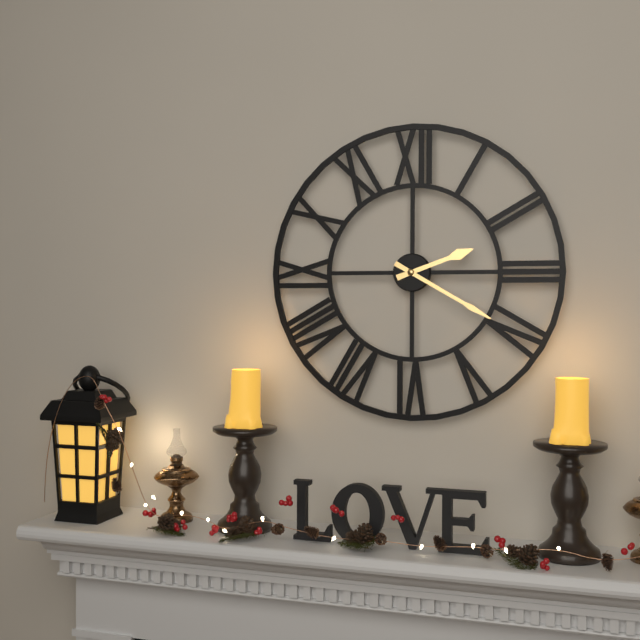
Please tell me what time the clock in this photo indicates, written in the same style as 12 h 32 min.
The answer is 2 h 20 min
